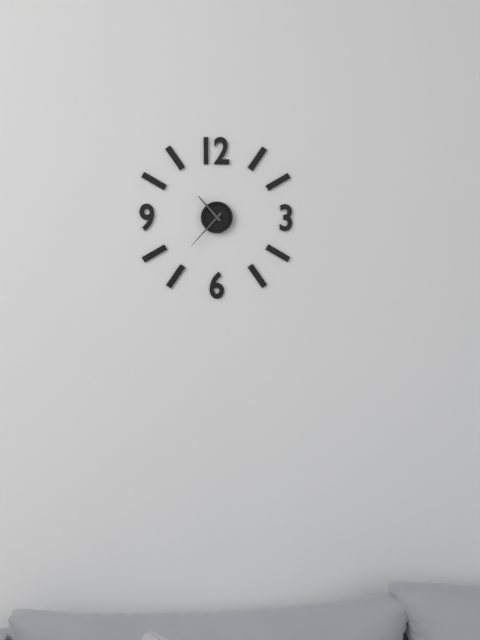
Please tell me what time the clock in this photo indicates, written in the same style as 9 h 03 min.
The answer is 10 h 37 min
